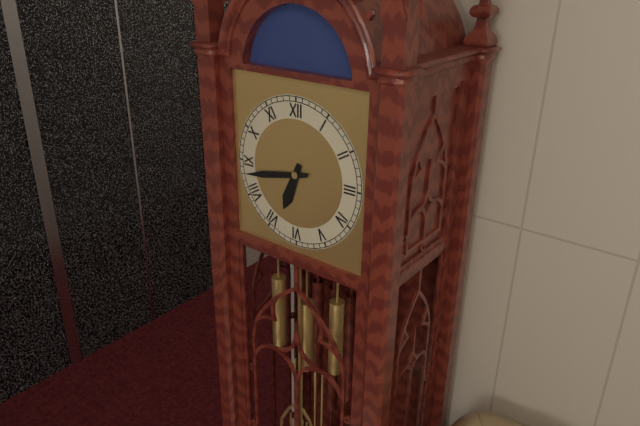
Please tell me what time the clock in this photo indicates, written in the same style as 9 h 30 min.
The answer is 6 h 43 min
